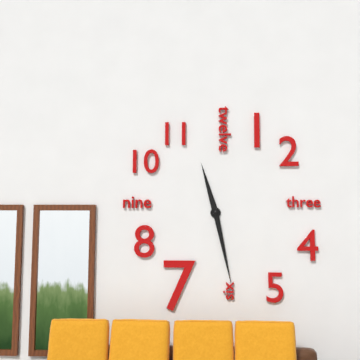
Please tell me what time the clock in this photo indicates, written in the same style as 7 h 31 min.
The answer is 11 h 28 min
